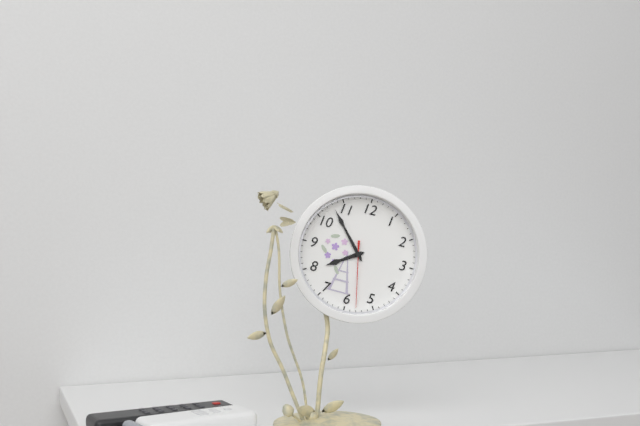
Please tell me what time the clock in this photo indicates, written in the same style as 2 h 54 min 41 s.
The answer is 7 h 53 min 28 s
